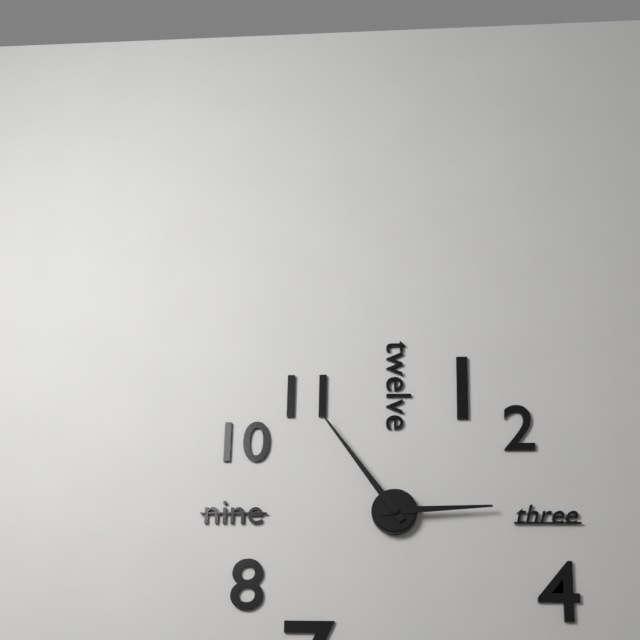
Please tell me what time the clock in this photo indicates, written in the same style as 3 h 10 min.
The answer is 2 h 54 min
